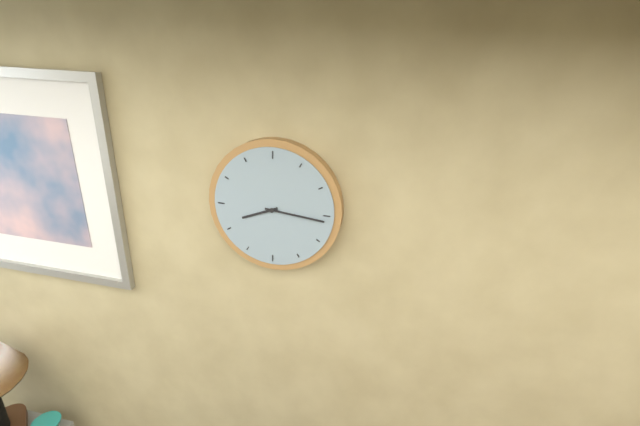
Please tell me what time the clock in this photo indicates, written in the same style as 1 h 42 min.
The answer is 8 h 16 min
